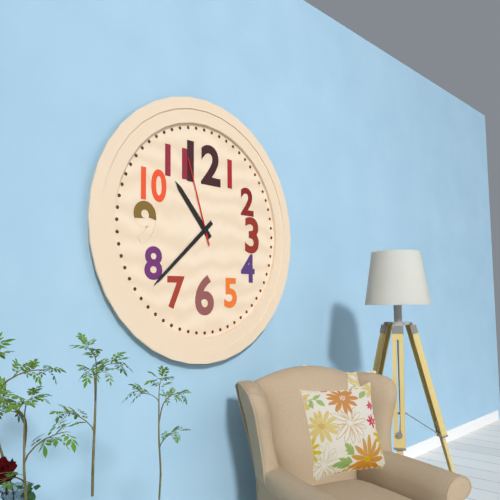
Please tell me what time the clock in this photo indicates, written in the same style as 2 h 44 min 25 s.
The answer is 10 h 38 min 57 s
